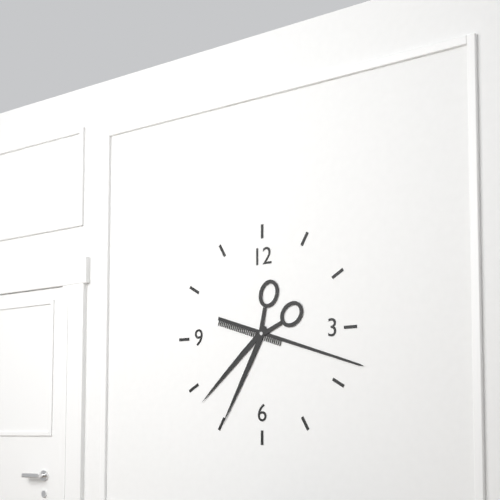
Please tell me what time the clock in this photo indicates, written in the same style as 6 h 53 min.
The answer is 7 h 18 min
